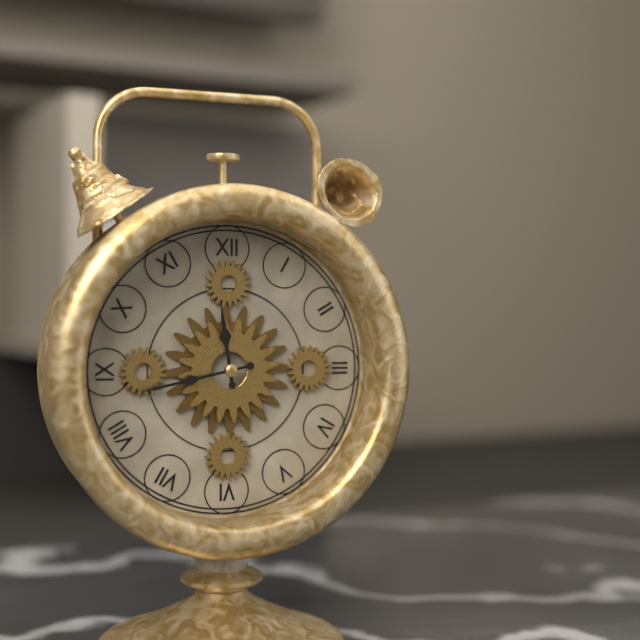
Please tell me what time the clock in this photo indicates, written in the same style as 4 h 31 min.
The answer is 11 h 43 min
